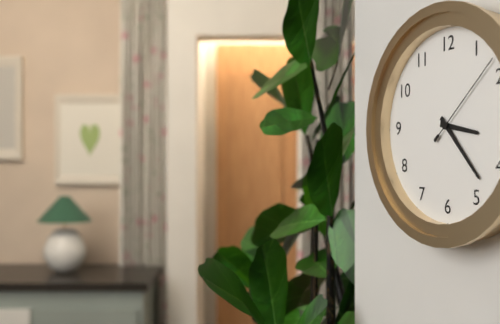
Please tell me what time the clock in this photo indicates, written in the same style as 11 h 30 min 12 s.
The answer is 3 h 23 min 08 s
